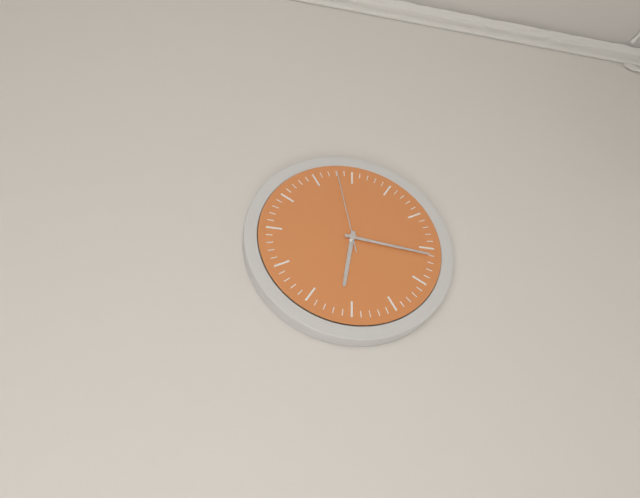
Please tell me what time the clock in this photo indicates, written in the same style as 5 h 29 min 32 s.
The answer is 6 h 16 min 58 s
